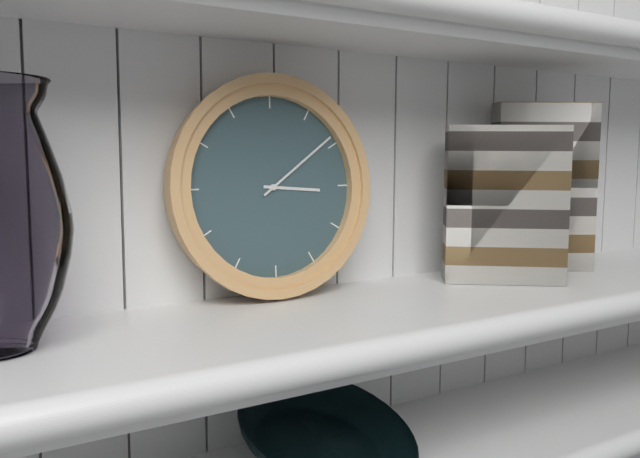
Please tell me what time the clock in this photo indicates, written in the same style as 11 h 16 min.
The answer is 3 h 09 min
